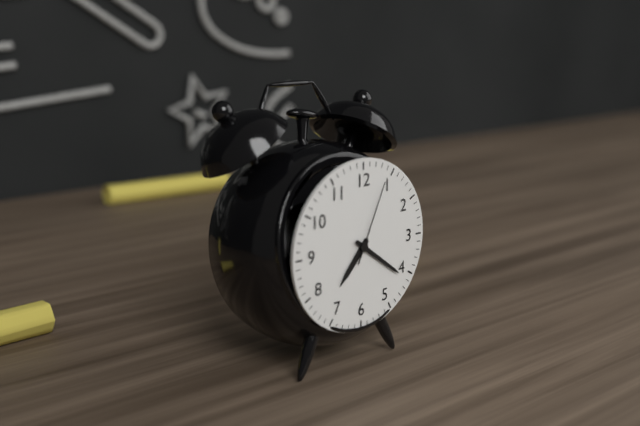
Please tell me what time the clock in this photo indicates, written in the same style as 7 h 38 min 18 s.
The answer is 7 h 21 min 04 s
